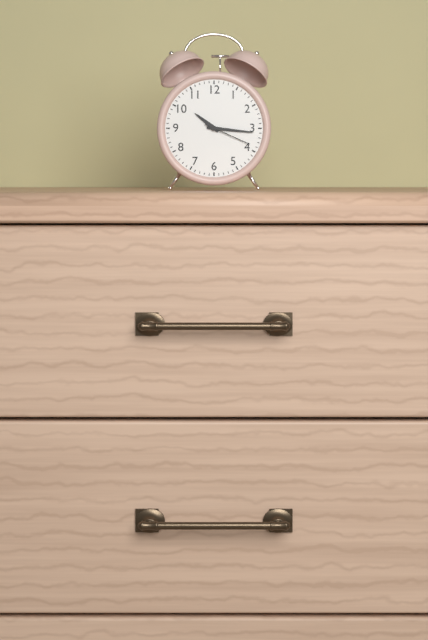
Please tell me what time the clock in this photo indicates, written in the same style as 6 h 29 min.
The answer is 10 h 16 min
